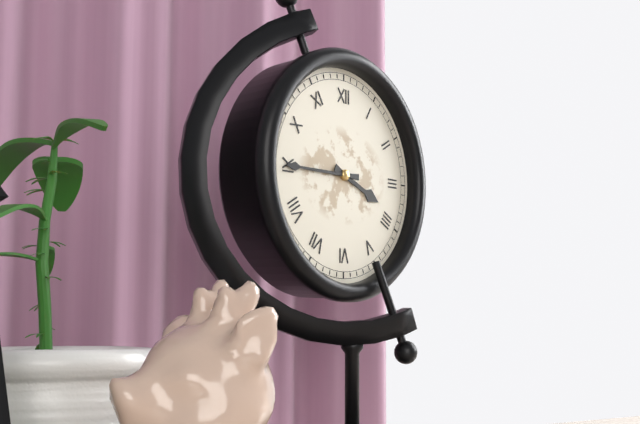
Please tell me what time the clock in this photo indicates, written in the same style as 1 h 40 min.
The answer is 3 h 45 min
